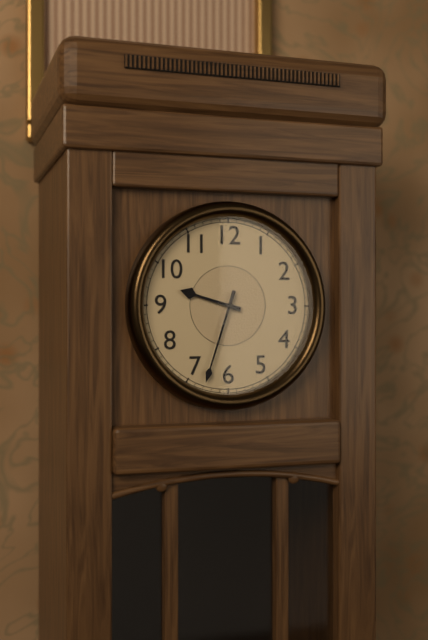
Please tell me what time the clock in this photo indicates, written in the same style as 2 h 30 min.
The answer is 9 h 33 min
